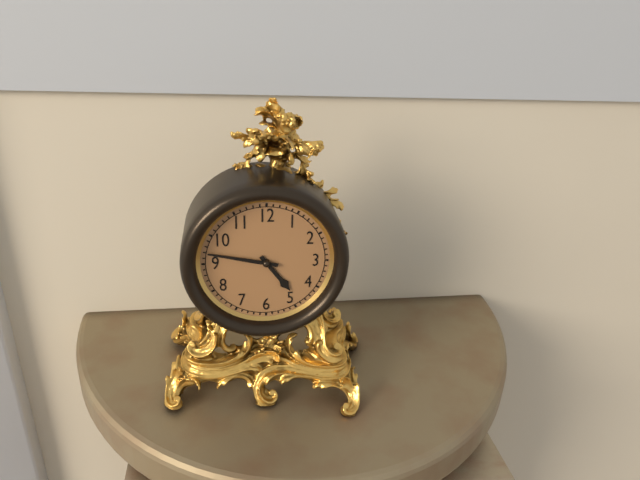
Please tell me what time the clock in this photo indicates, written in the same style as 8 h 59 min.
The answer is 4 h 47 min
